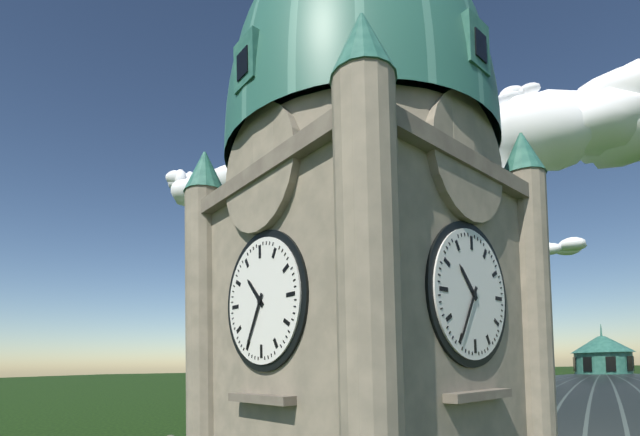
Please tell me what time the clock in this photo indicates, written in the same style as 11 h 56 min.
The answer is 10 h 35 min
